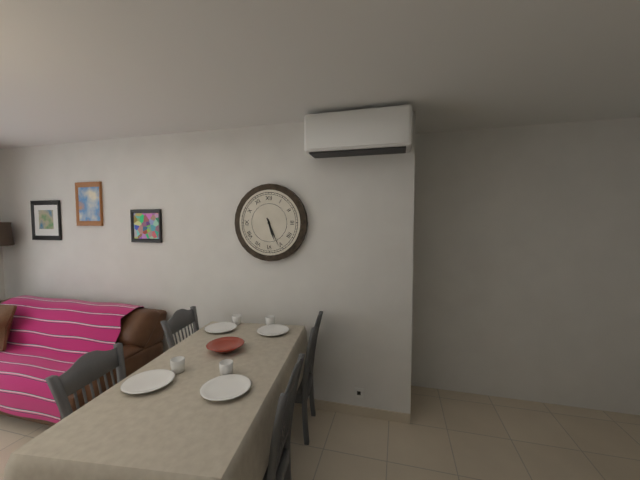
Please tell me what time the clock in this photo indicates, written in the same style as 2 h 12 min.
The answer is 5 h 26 min
